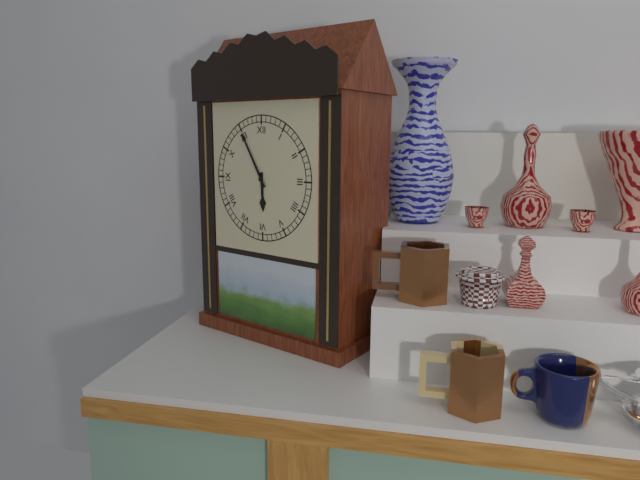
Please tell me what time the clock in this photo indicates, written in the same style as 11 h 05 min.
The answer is 5 h 55 min
